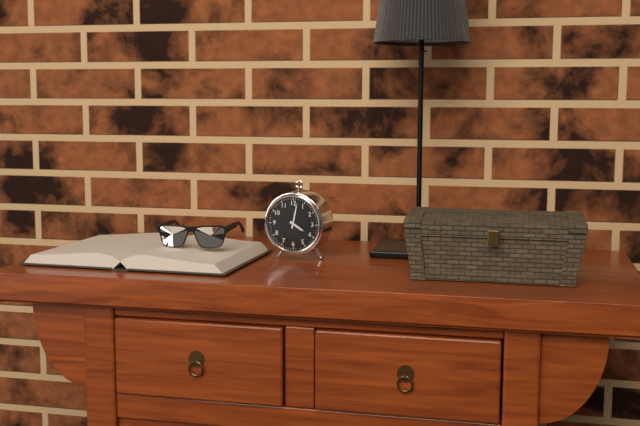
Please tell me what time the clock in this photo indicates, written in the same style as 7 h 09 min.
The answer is 4 h 02 min
